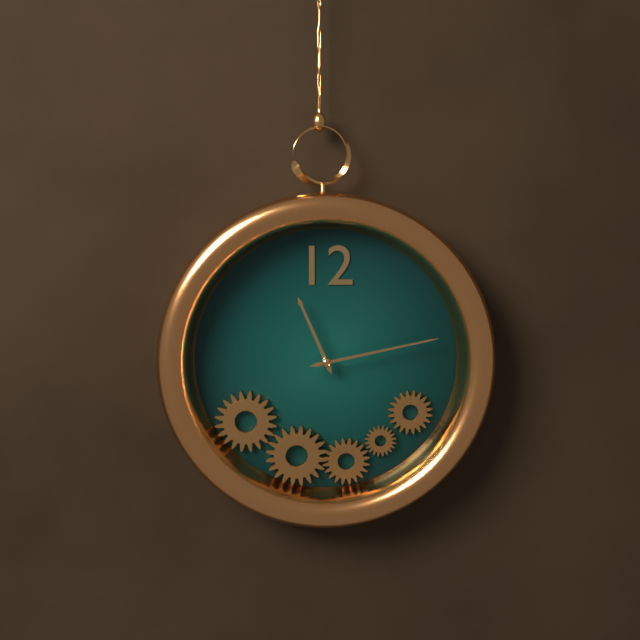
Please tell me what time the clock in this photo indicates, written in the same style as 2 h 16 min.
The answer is 11 h 13 min
